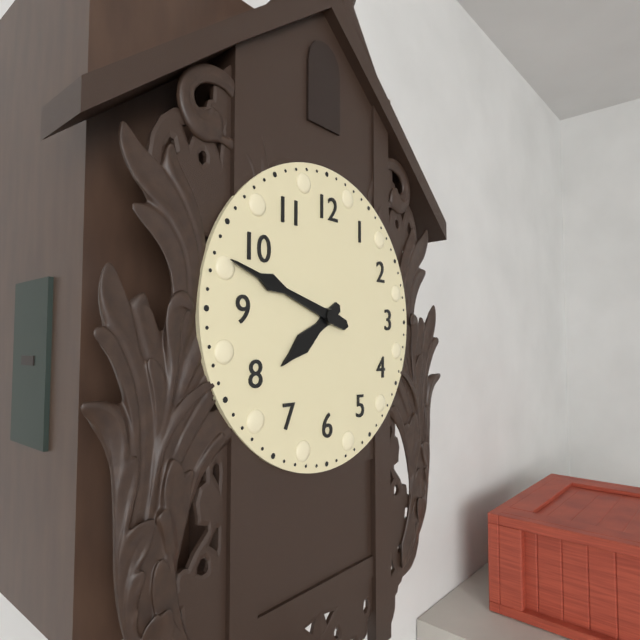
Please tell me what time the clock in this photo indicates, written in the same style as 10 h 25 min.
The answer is 7 h 48 min
